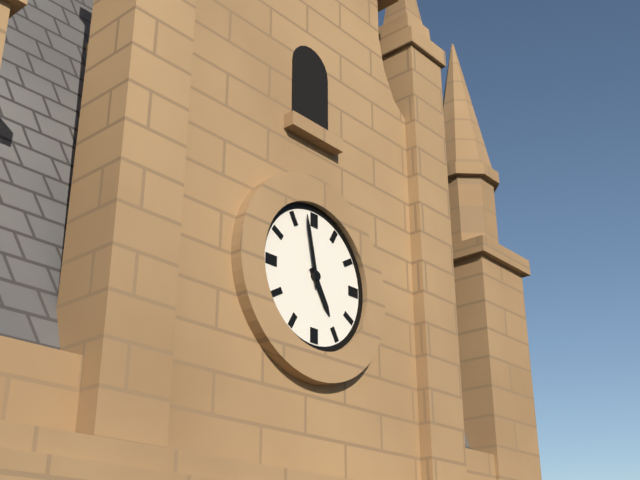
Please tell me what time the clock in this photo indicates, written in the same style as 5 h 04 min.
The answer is 4 h 58 min
